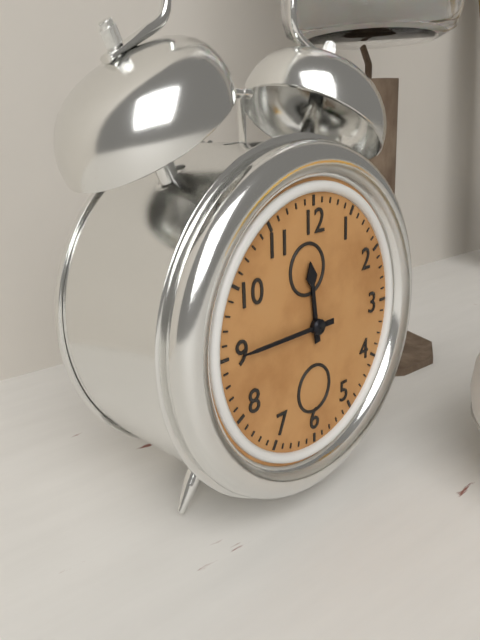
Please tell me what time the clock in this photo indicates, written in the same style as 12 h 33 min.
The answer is 11 h 45 min
